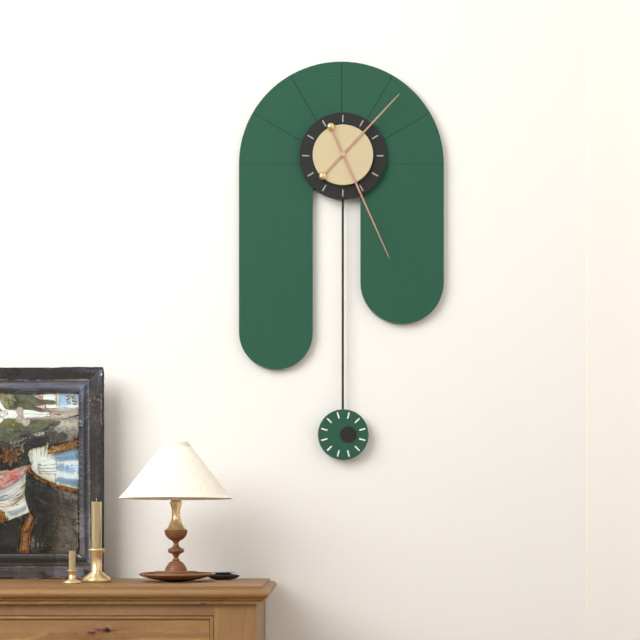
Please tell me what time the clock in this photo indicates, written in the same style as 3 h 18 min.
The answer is 1 h 26 min
